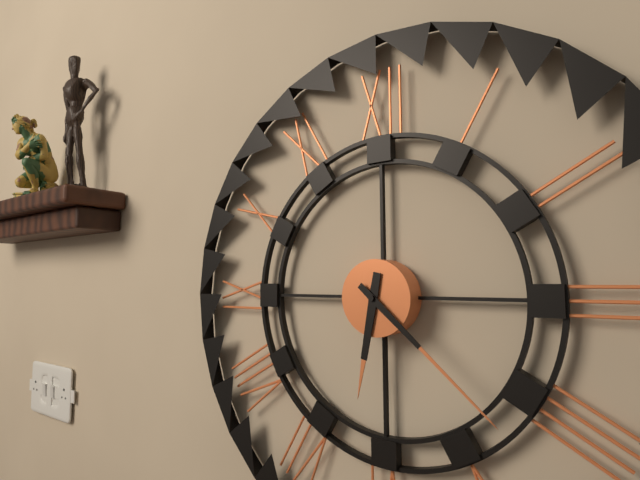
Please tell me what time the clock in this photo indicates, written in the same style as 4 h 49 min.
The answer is 6 h 22 min
